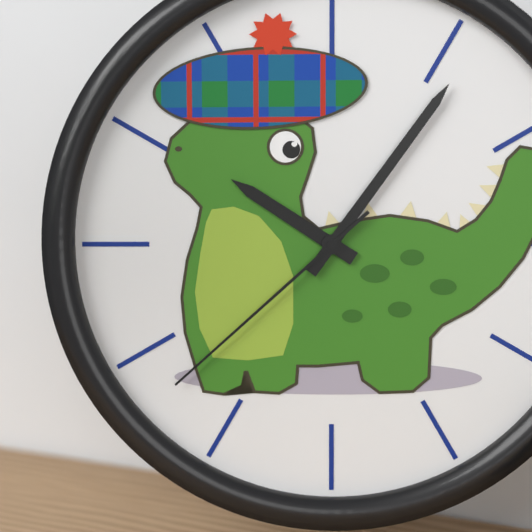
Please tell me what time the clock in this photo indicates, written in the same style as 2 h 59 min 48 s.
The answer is 10 h 06 min 38 s
